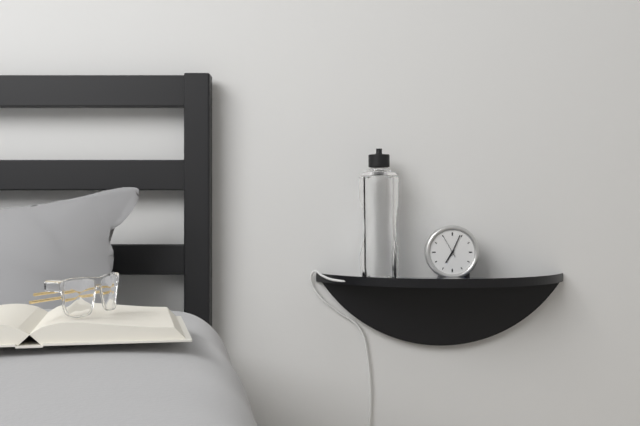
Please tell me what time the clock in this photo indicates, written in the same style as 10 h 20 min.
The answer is 7 h 04 min
